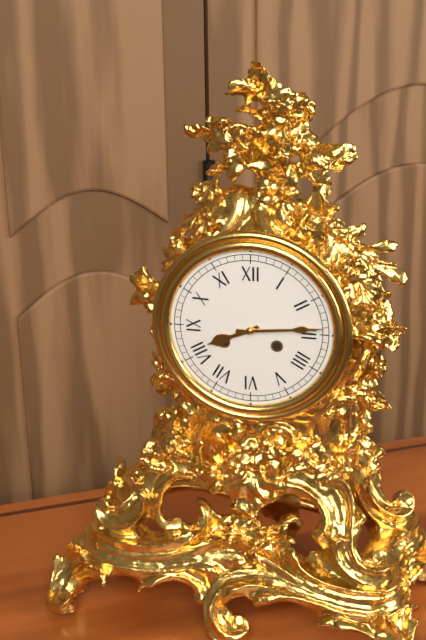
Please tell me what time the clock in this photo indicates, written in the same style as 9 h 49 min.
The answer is 8 h 14 min
